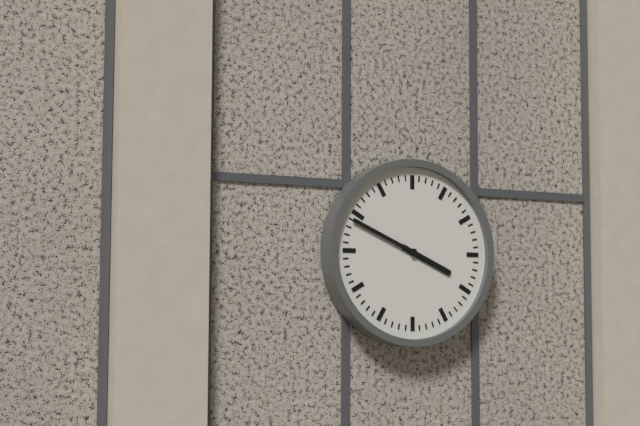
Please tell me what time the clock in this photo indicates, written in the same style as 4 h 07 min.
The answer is 3 h 49 min
